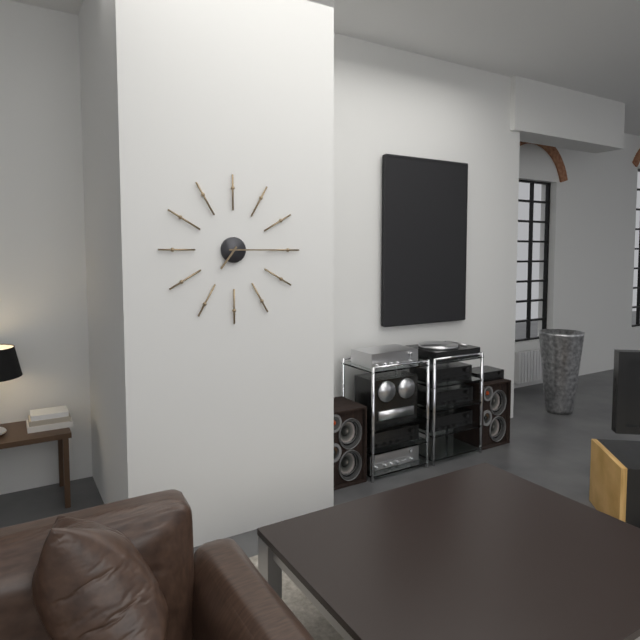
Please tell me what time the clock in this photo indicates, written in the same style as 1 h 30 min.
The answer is 7 h 15 min
